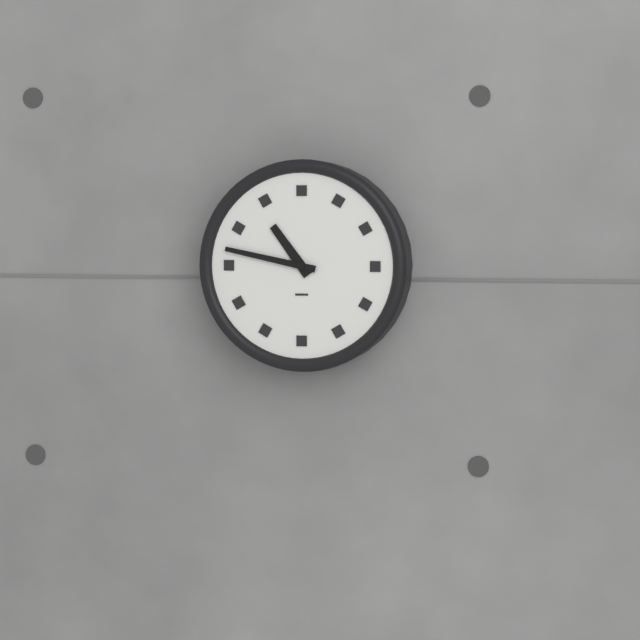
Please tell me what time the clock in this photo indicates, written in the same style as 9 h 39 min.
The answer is 10 h 47 min
